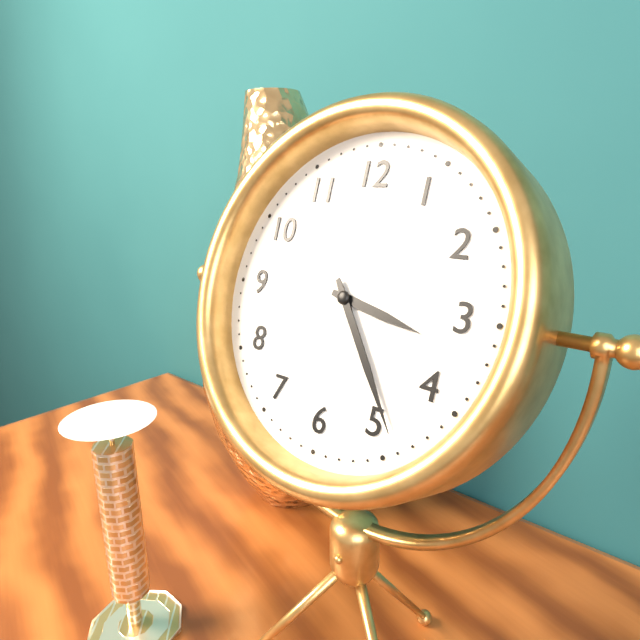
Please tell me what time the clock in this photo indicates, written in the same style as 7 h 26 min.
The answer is 3 h 24 min
